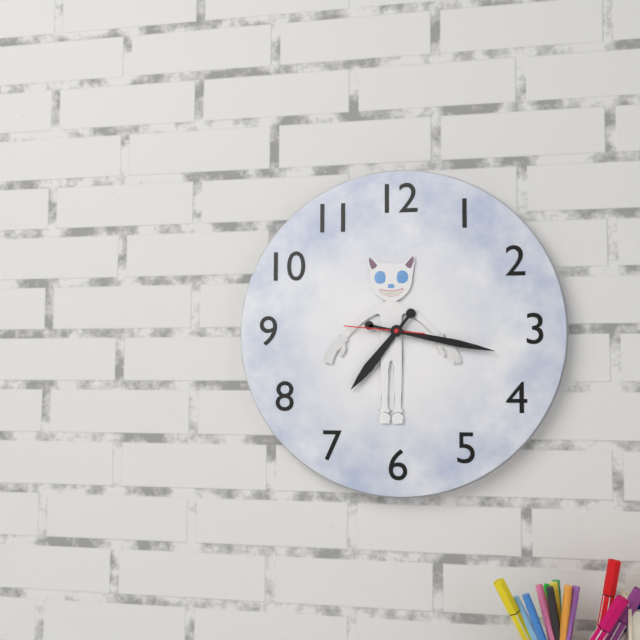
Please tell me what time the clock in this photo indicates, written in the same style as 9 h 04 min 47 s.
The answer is 7 h 17 min 46 s
